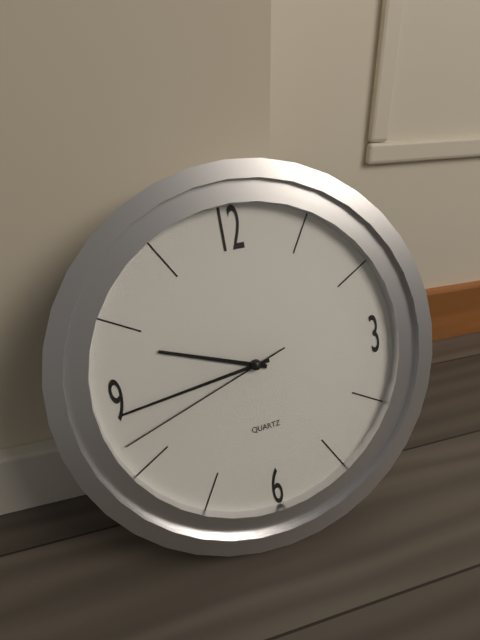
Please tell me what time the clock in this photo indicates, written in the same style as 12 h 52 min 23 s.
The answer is 9 h 44 min 42 s
